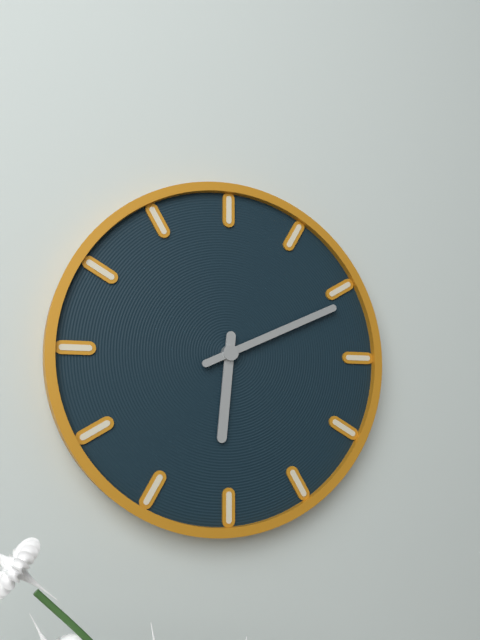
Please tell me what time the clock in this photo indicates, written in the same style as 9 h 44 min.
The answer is 6 h 11 min
